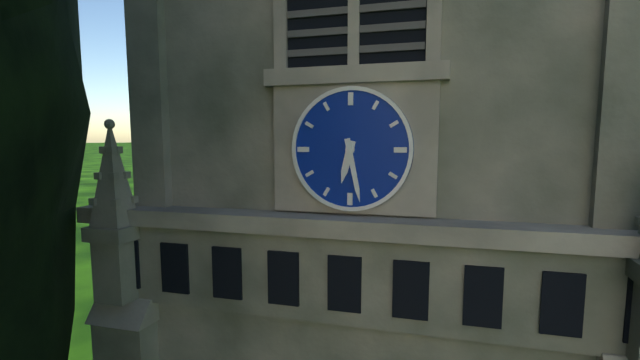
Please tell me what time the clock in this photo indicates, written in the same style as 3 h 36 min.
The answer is 6 h 28 min
